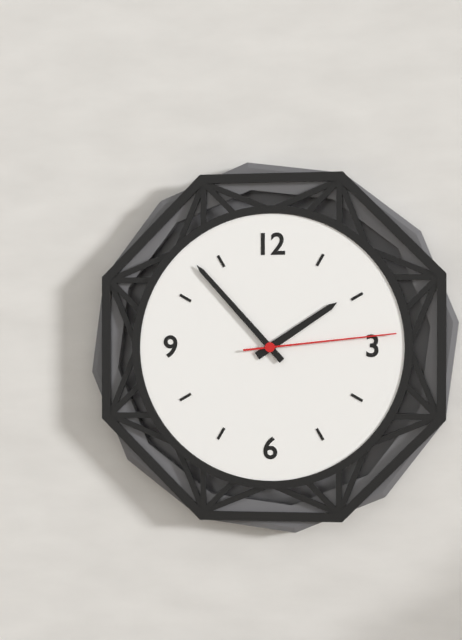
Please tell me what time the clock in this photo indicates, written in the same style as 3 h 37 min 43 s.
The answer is 1 h 53 min 14 s
